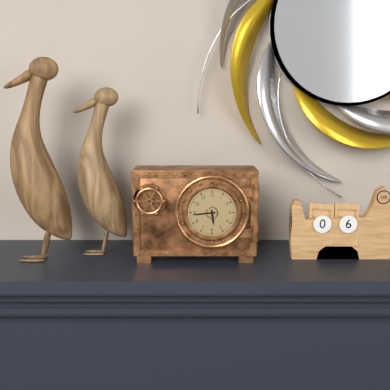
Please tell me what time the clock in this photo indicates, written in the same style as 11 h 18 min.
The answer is 5 h 44 min
